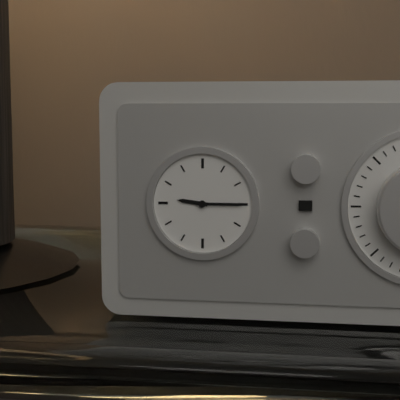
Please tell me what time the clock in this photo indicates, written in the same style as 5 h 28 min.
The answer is 9 h 15 min
